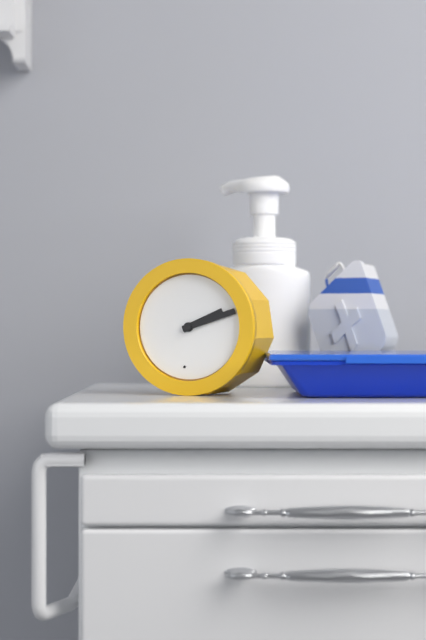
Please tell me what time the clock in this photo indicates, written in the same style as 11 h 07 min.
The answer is 2 h 12 min
